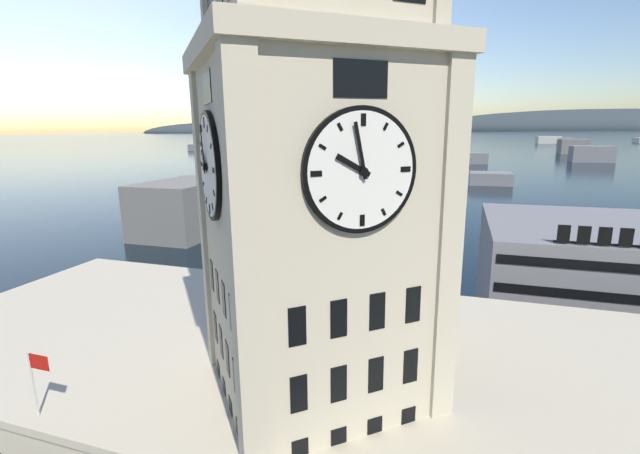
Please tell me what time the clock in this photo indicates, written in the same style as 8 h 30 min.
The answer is 9 h 58 min
